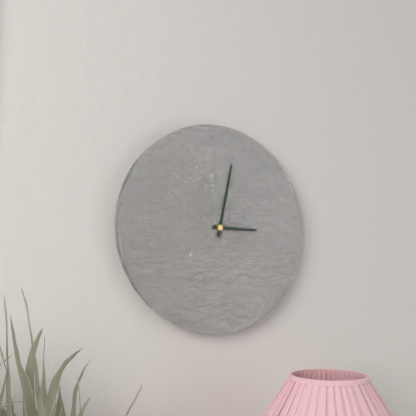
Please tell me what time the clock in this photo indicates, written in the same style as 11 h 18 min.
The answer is 3 h 02 min
